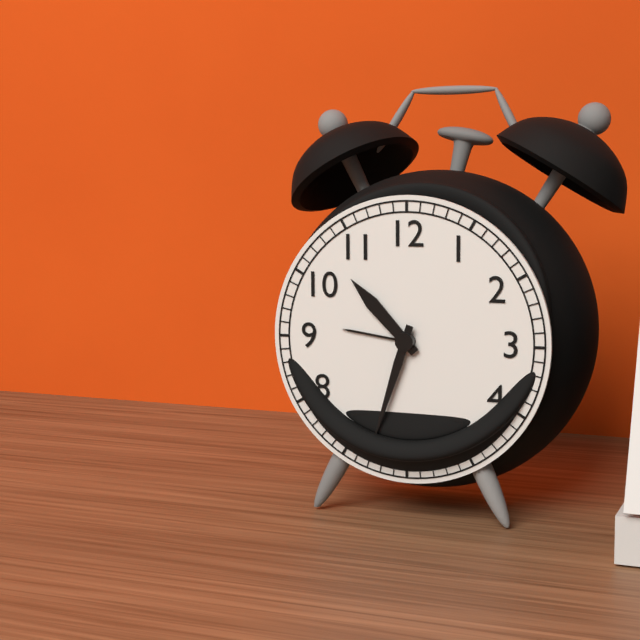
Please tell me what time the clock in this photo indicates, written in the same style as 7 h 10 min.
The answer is 10 h 33 min
